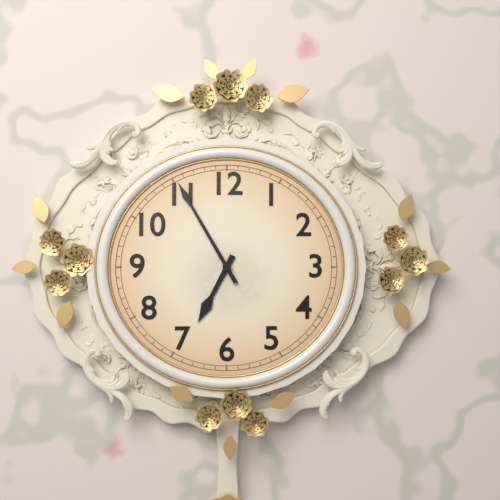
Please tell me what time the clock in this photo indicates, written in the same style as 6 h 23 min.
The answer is 6 h 55 min
